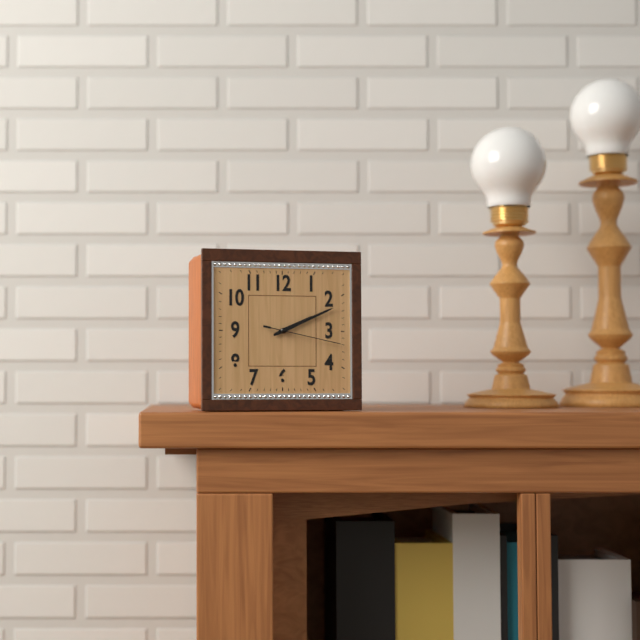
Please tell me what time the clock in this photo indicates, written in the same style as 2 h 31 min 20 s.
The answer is 2 h 11 min 17 s
